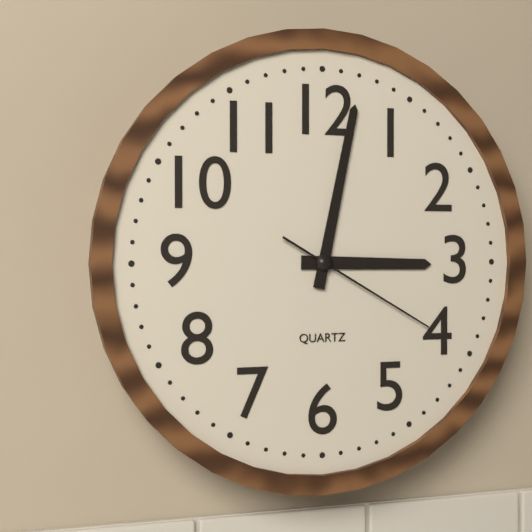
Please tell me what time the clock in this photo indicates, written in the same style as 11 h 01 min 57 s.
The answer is 3 h 02 min 20 s
